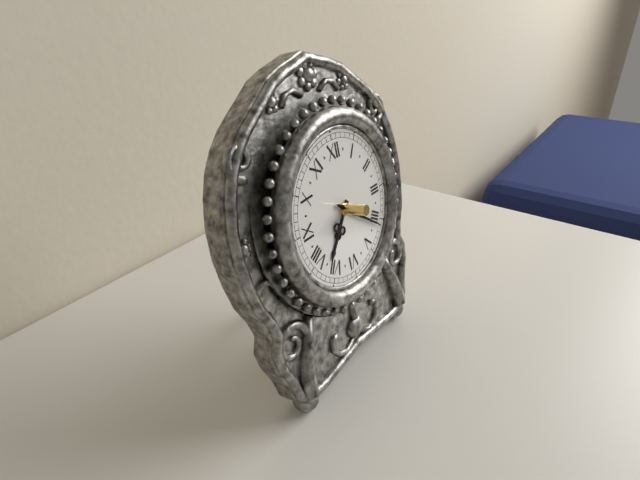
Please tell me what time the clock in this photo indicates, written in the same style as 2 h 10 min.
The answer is 7 h 21 min
